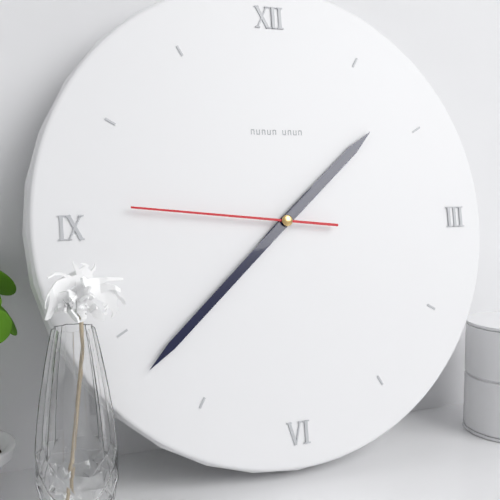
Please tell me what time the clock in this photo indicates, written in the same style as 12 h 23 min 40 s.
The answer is 1 h 38 min 46 s
